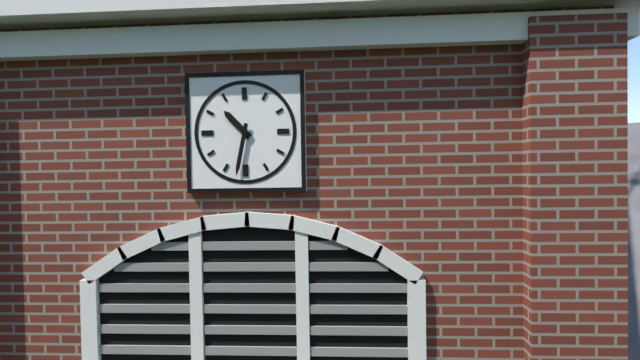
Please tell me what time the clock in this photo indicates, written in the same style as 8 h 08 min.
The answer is 10 h 32 min
